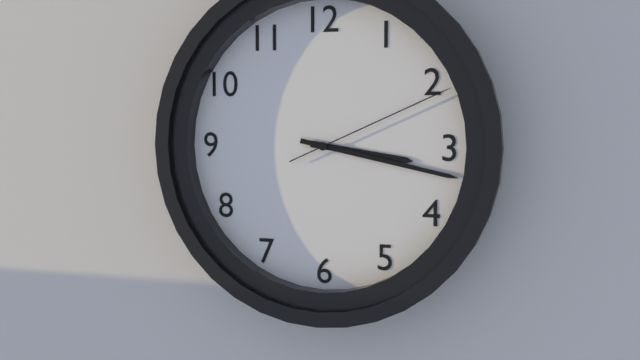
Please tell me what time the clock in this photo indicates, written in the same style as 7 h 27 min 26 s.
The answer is 3 h 17 min 11 s
